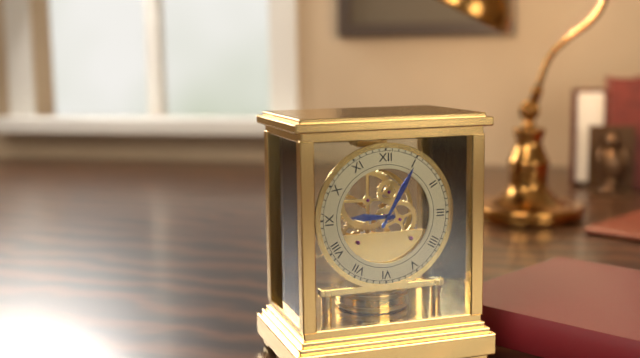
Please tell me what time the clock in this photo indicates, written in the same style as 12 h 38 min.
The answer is 9 h 05 min
